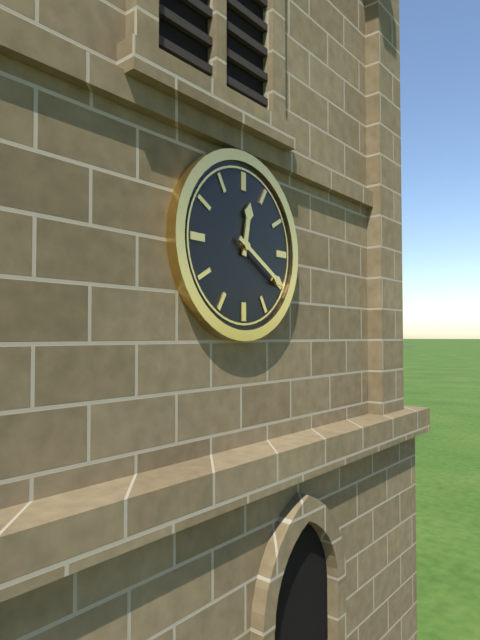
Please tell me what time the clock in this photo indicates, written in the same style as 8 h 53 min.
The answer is 12 h 20 min
